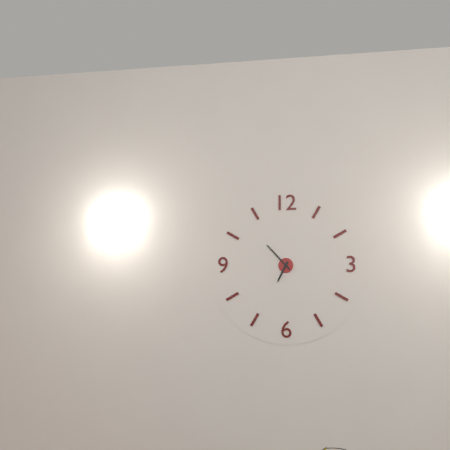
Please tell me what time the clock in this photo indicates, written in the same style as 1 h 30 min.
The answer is 6 h 53 min
